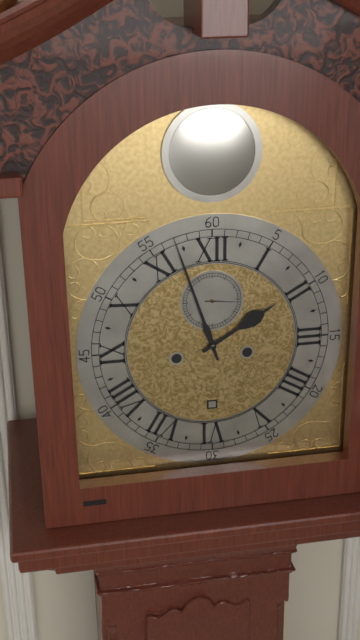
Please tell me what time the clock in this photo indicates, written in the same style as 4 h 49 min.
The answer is 1 h 57 min
